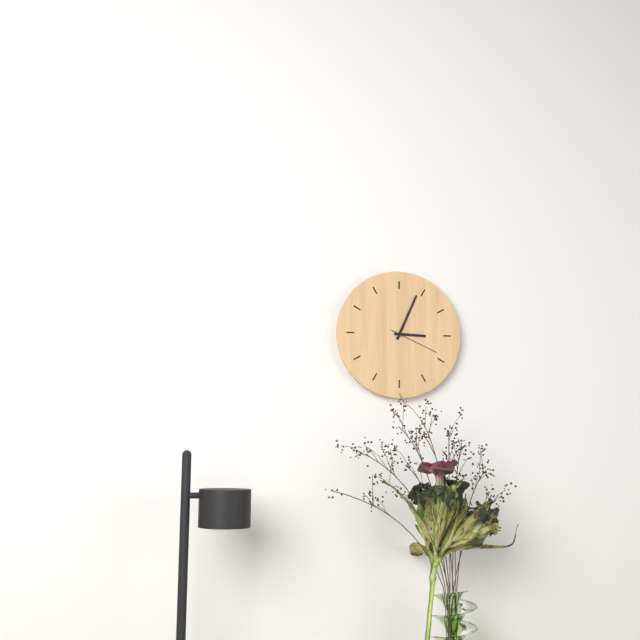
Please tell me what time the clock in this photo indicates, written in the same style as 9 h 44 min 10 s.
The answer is 3 h 04 min 19 s
